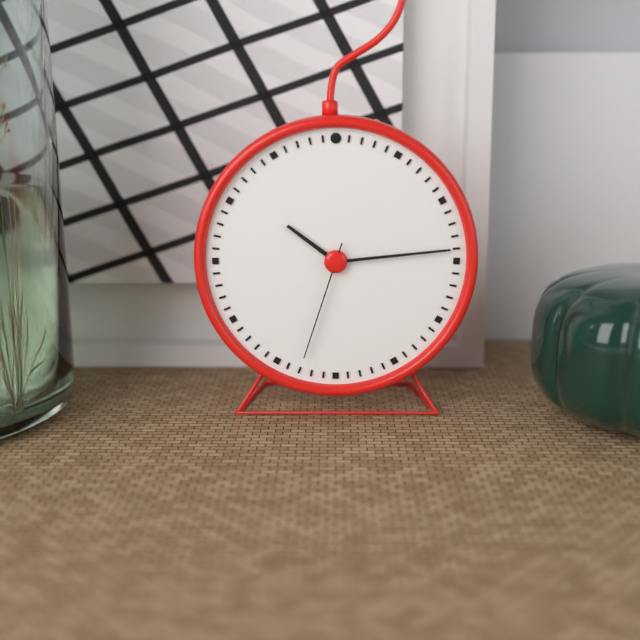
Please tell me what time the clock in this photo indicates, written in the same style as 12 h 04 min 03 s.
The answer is 10 h 14 min 33 s
